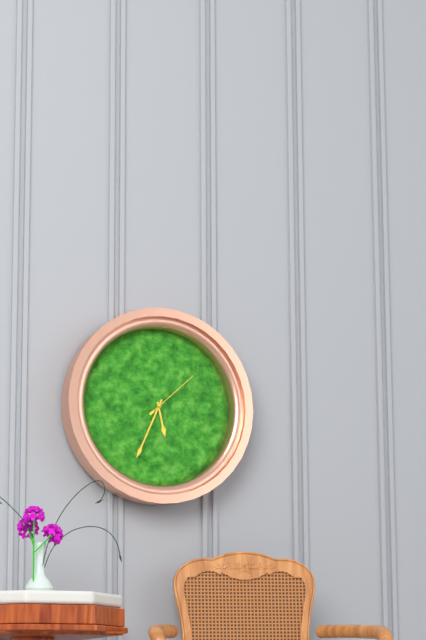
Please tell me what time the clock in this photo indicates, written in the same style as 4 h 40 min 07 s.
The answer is 5 h 34 min 08 s
